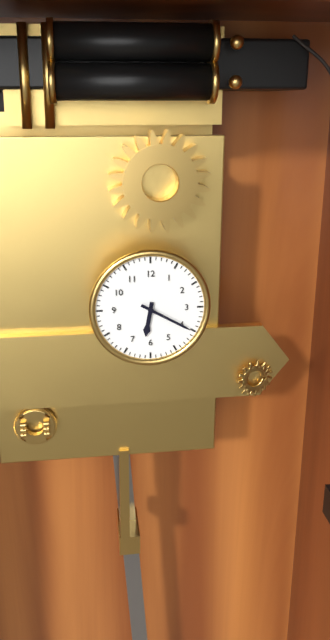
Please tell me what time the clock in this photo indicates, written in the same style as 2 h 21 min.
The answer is 6 h 20 min
